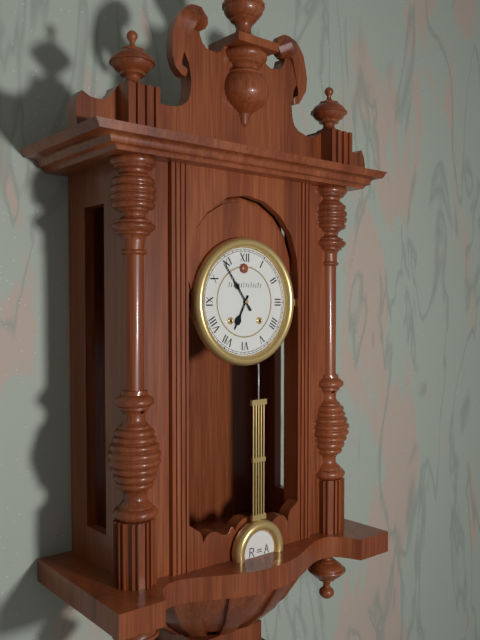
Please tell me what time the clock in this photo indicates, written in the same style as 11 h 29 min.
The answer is 6 h 54 min
